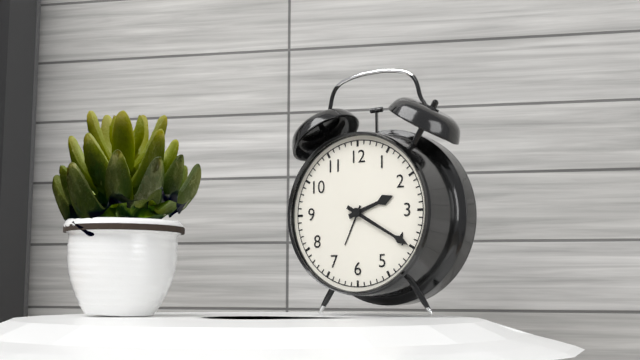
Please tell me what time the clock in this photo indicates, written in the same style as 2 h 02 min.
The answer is 2 h 20 min
